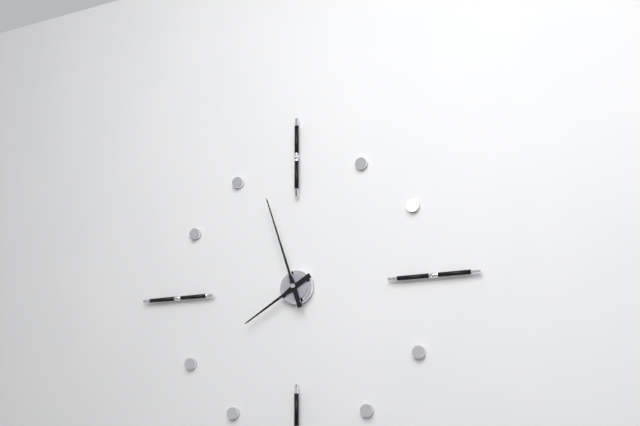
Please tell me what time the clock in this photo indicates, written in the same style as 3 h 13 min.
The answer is 7 h 57 min
